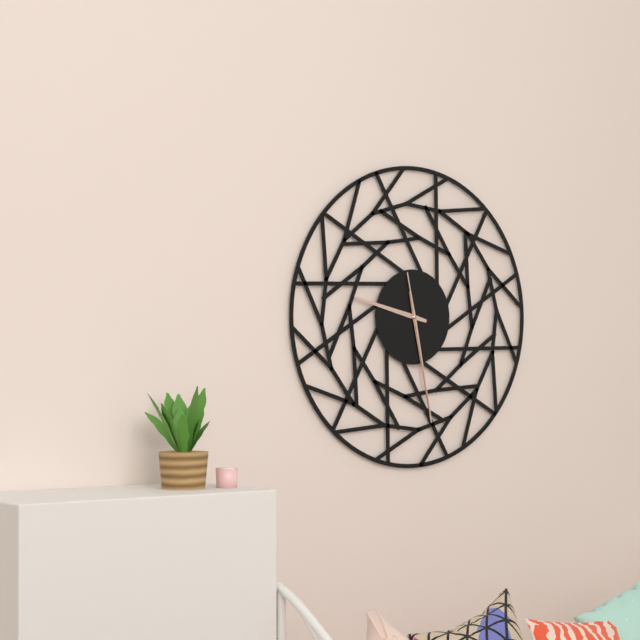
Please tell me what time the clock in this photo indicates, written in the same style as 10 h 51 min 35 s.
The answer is 9 h 28 min 28 s
